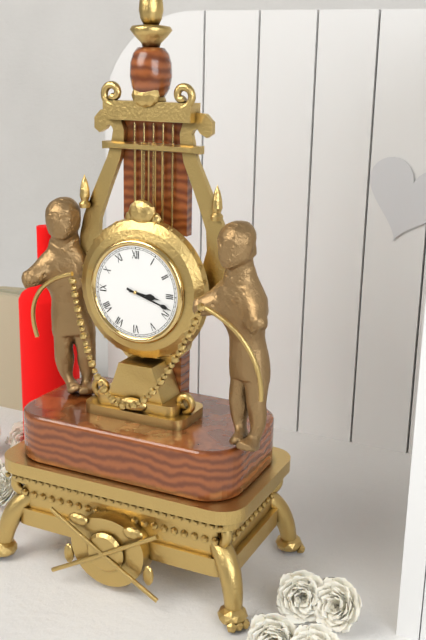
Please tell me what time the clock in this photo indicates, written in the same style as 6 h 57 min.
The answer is 3 h 18 min
